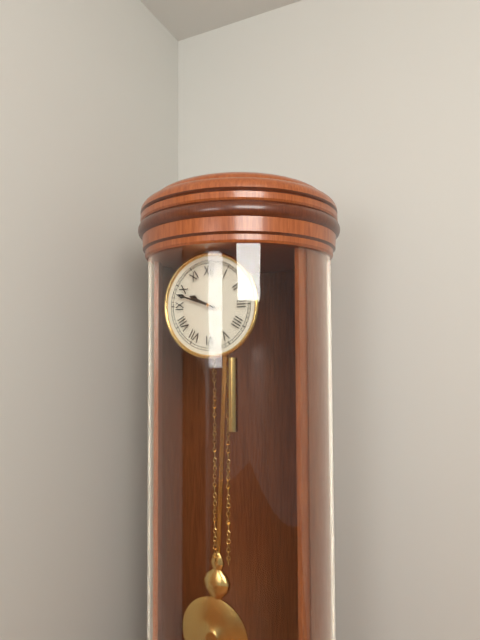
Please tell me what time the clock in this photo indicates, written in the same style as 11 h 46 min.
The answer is 9 h 48 min
